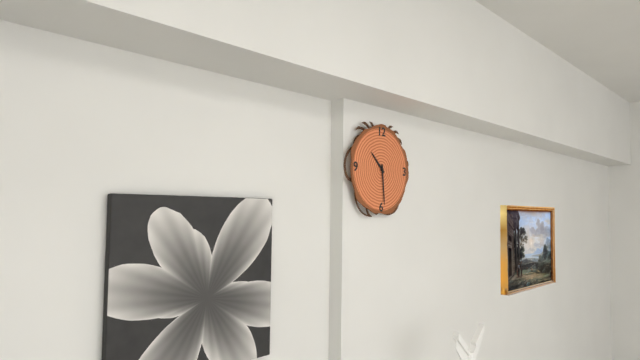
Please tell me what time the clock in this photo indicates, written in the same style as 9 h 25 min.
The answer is 10 h 29 min
